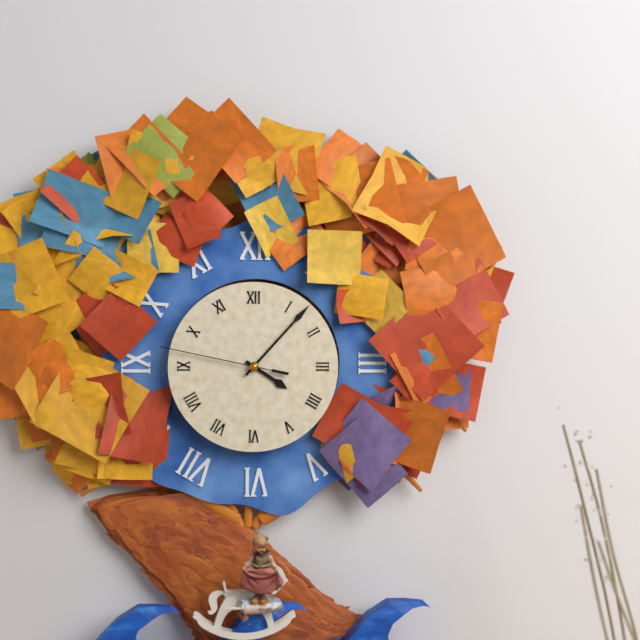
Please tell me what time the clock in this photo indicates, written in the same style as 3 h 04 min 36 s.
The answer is 4 h 07 min 47 s
